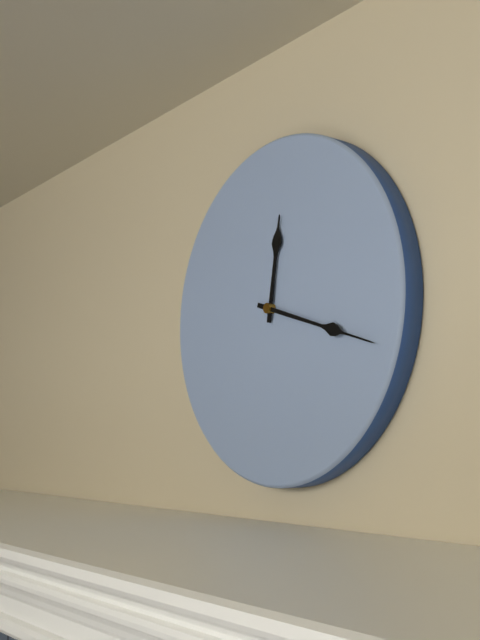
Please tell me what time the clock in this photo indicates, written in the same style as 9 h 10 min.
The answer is 12 h 18 min
